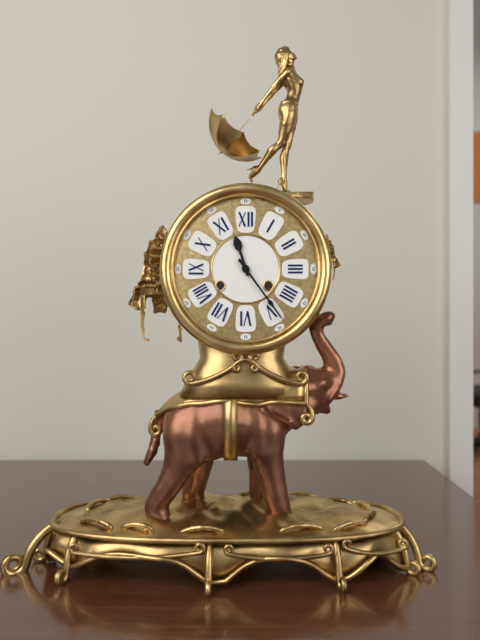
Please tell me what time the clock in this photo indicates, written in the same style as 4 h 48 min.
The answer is 11 h 24 min
